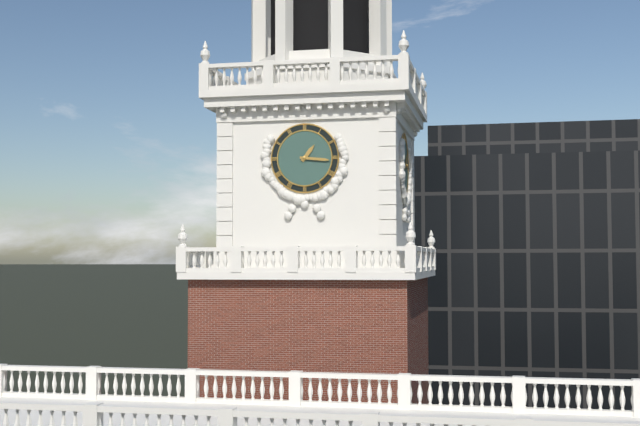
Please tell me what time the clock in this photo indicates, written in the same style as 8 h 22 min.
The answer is 1 h 16 min
